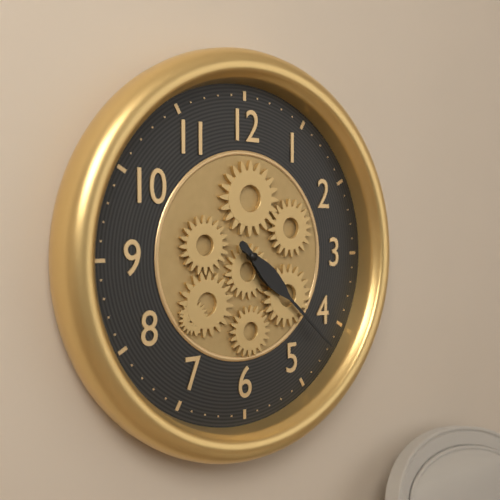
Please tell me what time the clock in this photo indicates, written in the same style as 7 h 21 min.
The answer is 4 h 22 min
